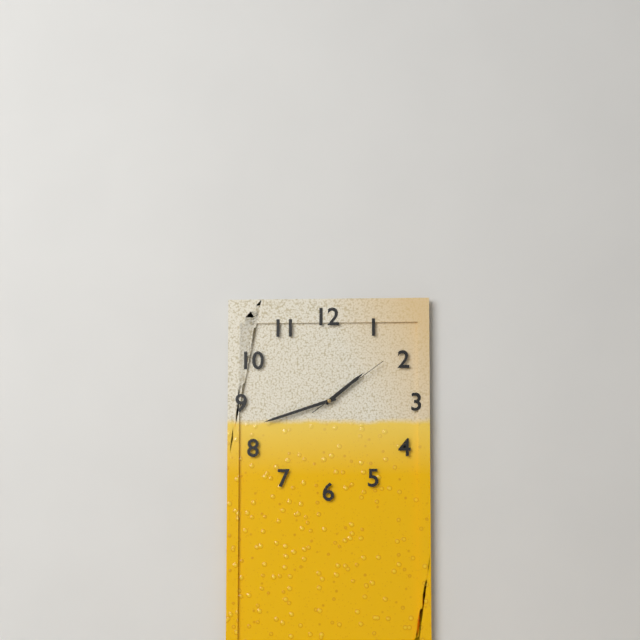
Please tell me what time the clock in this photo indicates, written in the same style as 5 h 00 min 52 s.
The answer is 1 h 42 min 09 s
